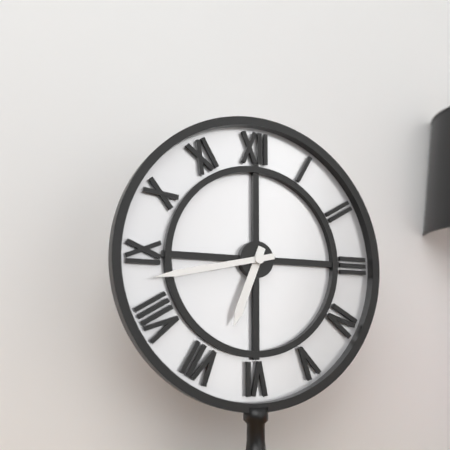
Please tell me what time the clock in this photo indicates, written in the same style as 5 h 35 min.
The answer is 6 h 43 min
